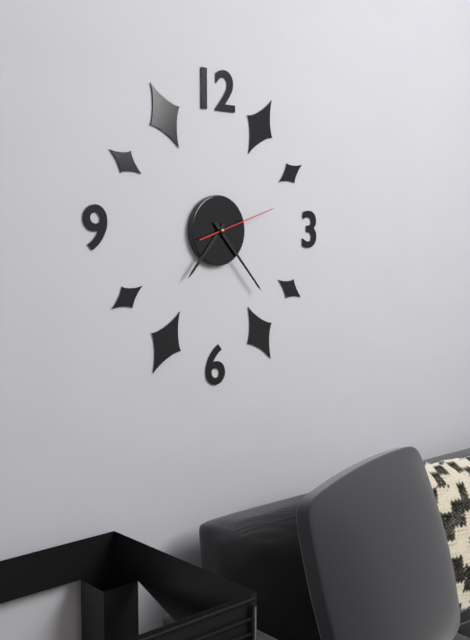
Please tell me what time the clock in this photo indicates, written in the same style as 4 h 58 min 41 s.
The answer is 7 h 23 min 12 s
